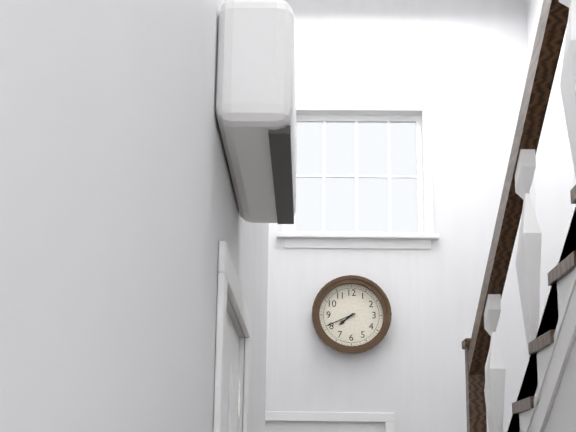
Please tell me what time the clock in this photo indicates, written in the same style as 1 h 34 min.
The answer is 7 h 41 min
